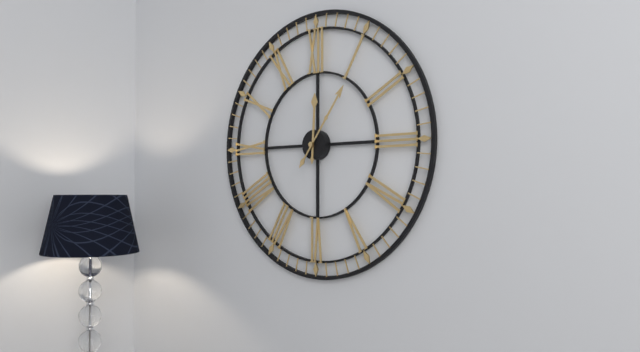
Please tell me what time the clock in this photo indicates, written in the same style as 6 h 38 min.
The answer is 12 h 06 min
